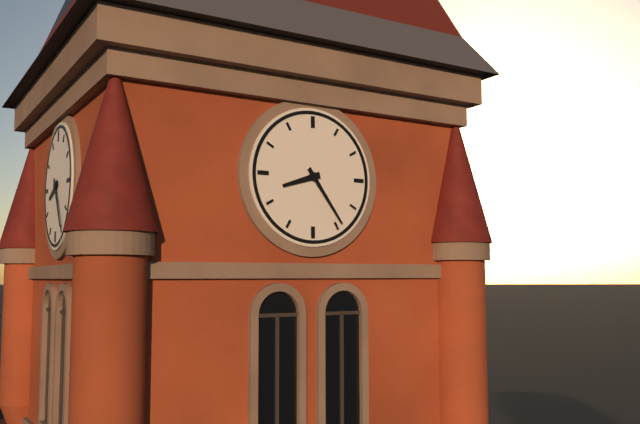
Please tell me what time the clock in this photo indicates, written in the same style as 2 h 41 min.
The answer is 8 h 24 min
